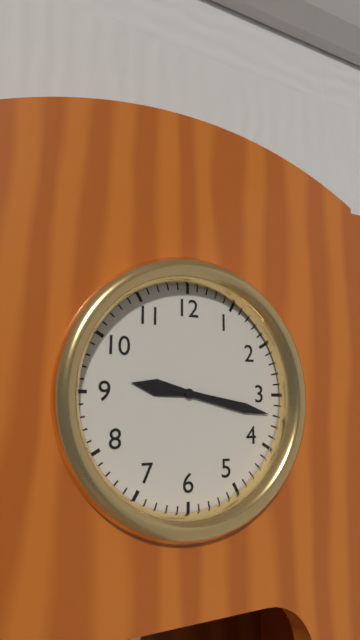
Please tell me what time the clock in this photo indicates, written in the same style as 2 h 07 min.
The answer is 9 h 17 min
